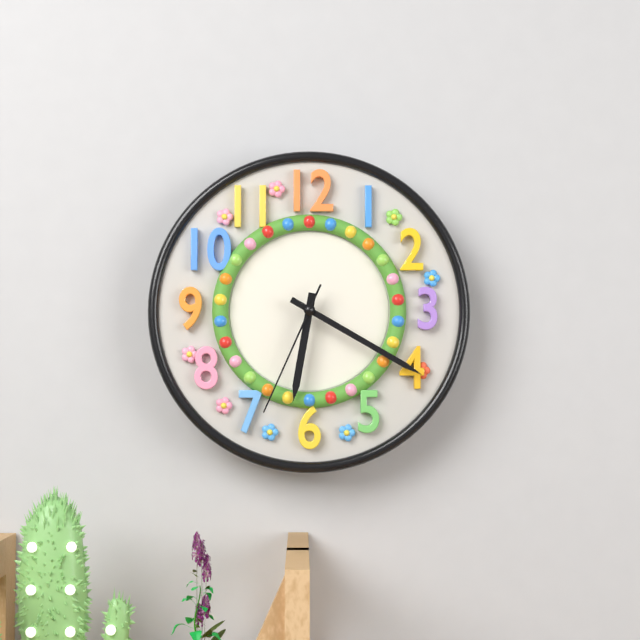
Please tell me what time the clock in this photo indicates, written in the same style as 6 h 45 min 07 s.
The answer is 6 h 20 min 34 s
